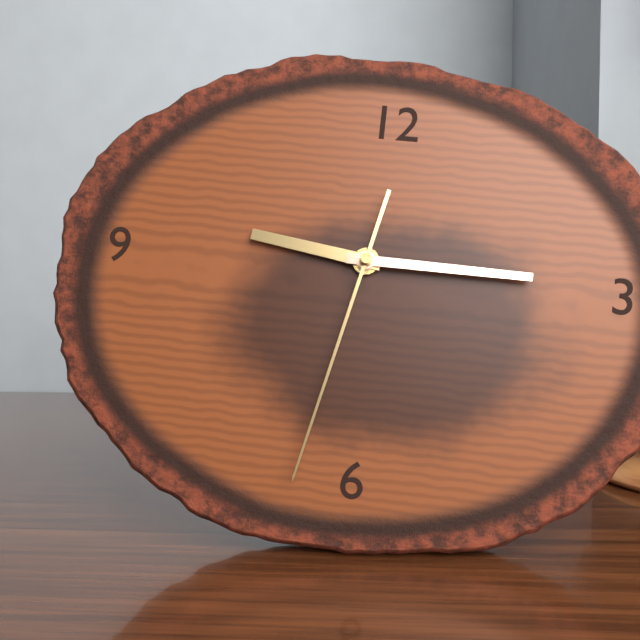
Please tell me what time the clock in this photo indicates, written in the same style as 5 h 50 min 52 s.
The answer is 9 h 15 min 32 s
